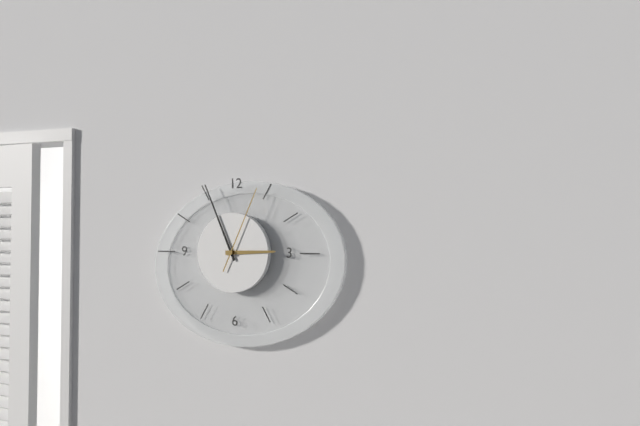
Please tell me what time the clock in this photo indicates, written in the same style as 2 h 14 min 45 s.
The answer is 2 h 56 min 04 s
